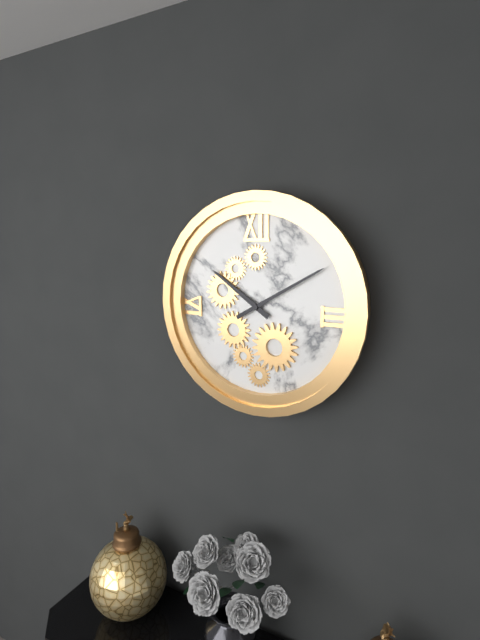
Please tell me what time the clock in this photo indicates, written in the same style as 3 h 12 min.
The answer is 10 h 10 min
